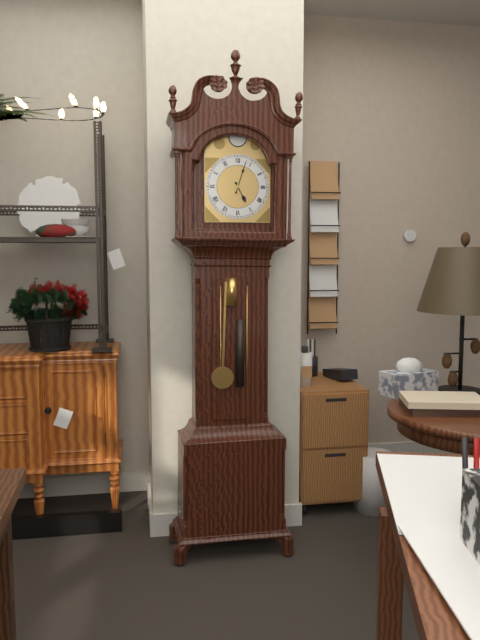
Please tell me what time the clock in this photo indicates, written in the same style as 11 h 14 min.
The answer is 5 h 03 min
